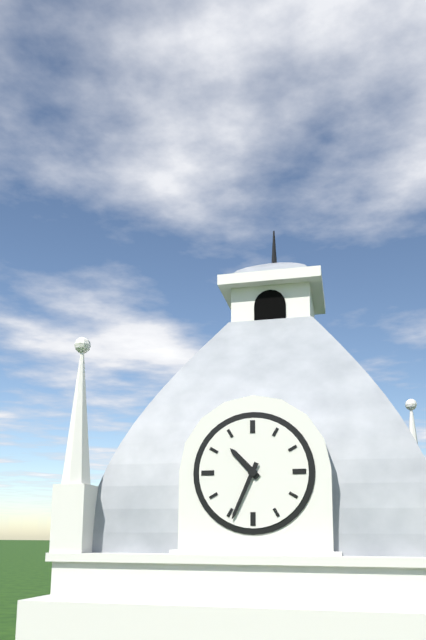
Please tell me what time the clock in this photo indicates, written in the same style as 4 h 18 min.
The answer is 10 h 34 min
